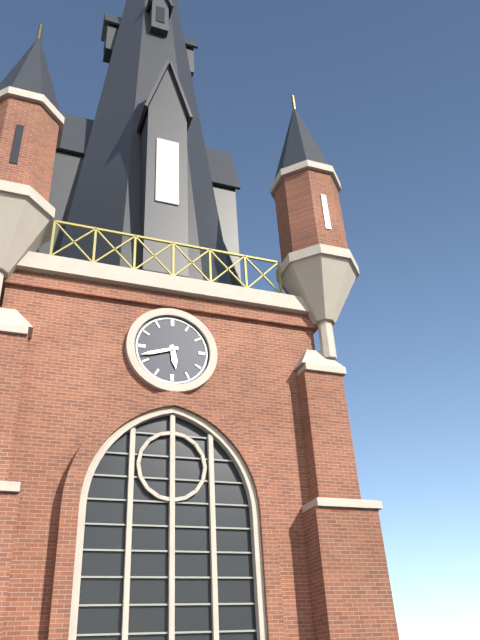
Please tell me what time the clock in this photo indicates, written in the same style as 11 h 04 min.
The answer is 5 h 42 min
